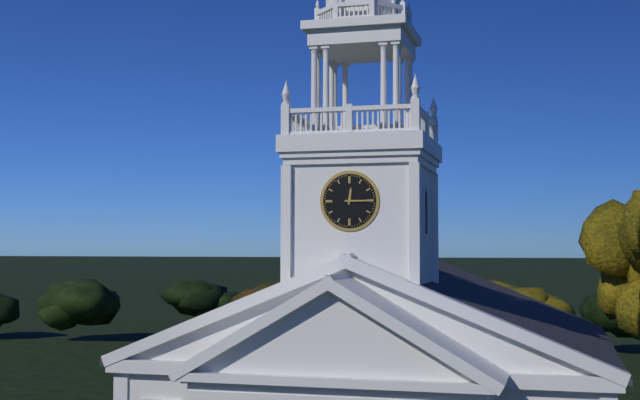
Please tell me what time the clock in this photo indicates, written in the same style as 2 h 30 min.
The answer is 12 h 15 min
